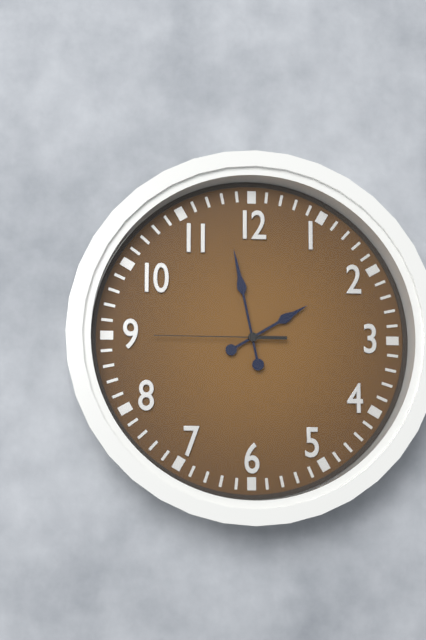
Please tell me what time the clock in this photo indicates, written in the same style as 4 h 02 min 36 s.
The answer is 1 h 58 min 45 s
